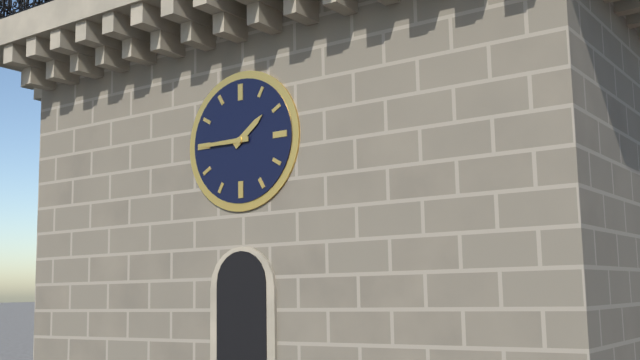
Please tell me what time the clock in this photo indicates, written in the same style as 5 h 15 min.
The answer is 1 h 45 min
